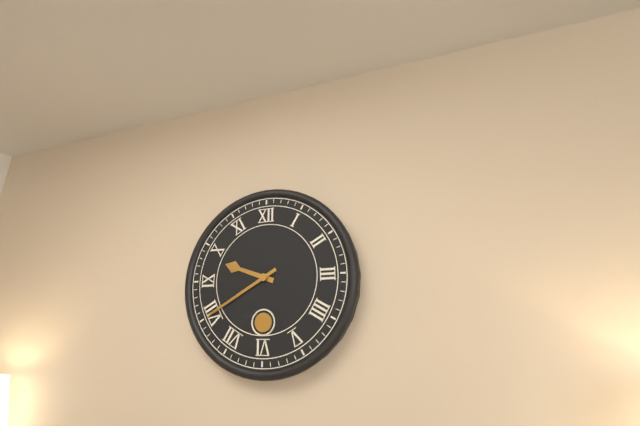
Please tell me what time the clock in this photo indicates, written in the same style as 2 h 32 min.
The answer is 9 h 40 min
